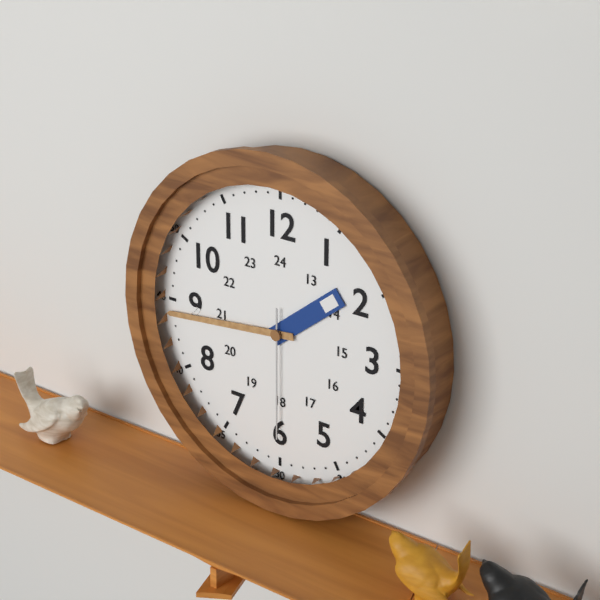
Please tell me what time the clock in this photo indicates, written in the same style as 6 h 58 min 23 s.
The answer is 1 h 44 min 30 s
